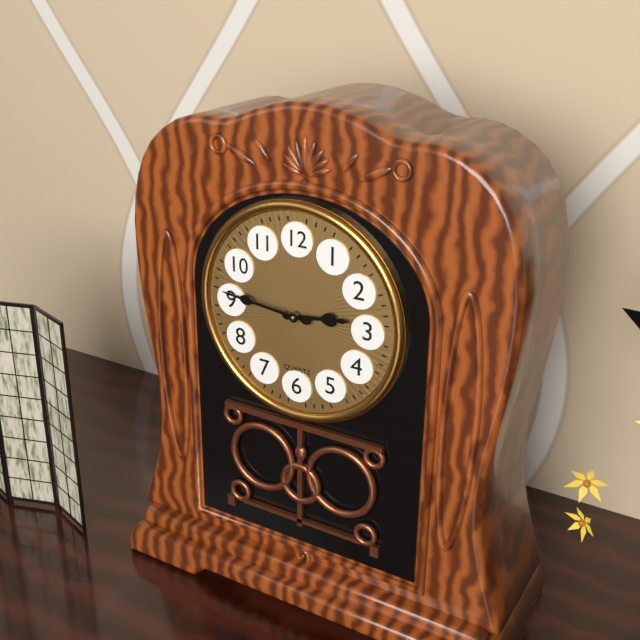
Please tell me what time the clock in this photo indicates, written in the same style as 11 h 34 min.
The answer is 2 h 46 min
